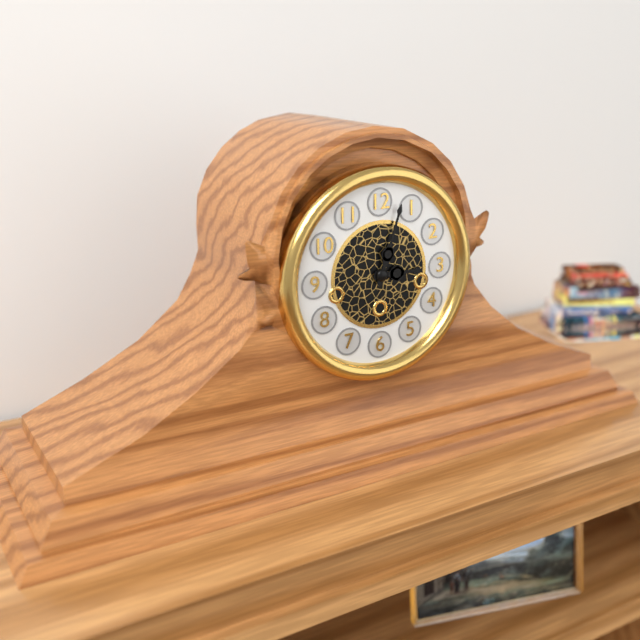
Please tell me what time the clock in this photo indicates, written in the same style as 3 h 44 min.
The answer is 3 h 03 min
